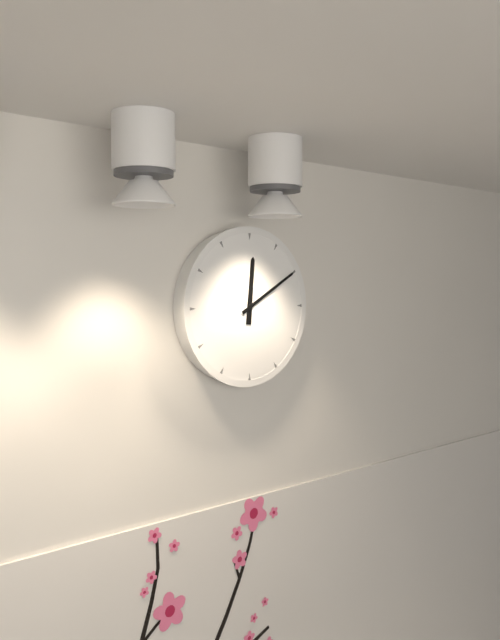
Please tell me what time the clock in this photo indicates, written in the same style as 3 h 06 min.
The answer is 12 h 10 min
